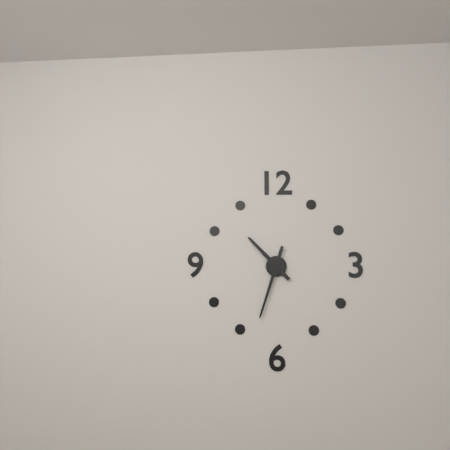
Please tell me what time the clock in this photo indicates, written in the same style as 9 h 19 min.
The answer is 10 h 33 min
